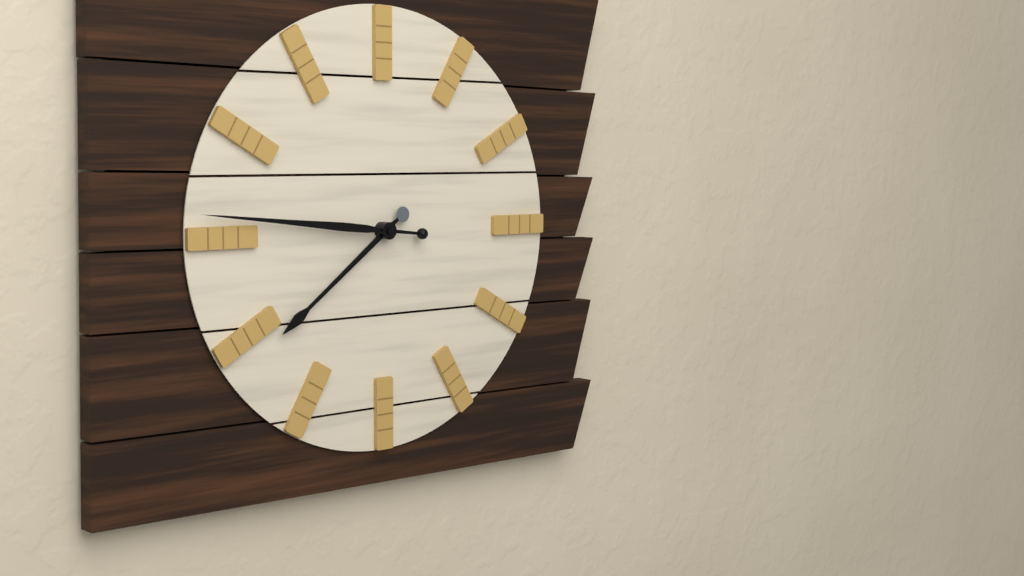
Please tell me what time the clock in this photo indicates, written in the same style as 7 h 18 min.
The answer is 7 h 46 min
